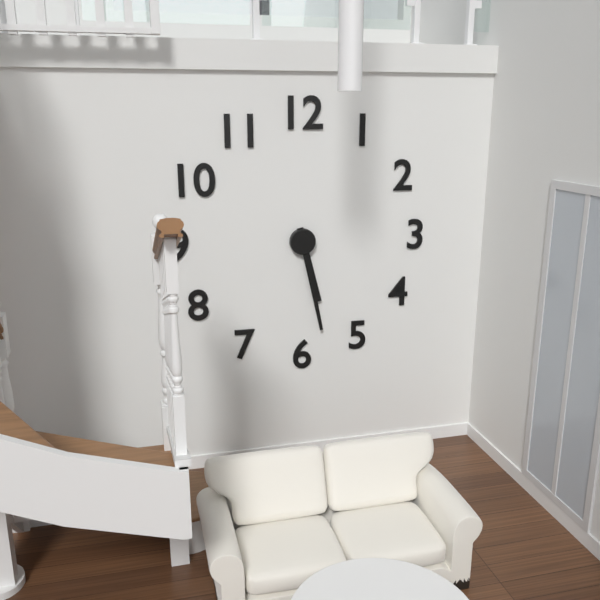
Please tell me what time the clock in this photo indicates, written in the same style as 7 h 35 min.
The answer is 5 h 28 min
